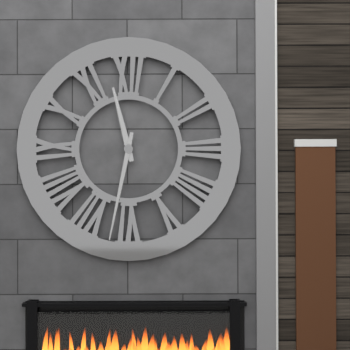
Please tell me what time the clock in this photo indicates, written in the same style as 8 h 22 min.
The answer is 11 h 32 min
